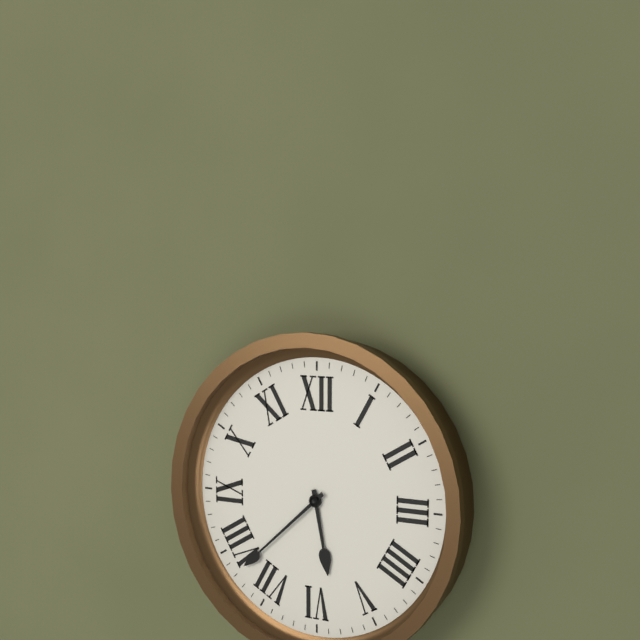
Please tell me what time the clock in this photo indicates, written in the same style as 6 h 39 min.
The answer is 5 h 38 min
